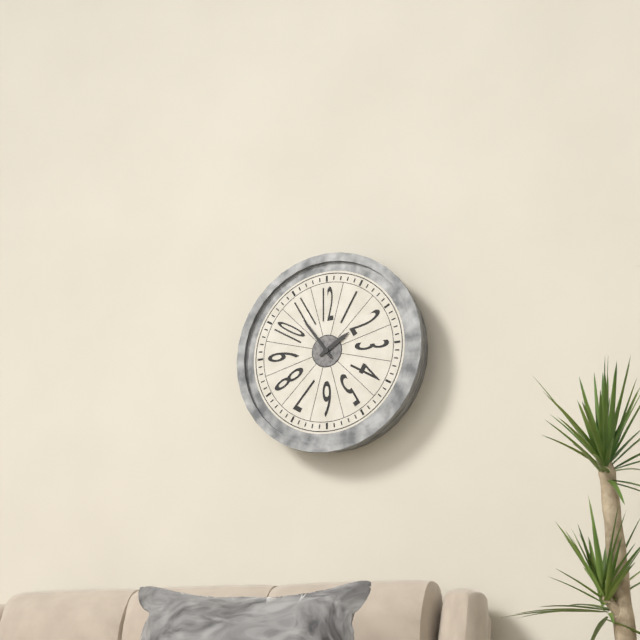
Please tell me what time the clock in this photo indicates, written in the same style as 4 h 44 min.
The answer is 1 h 54 min
